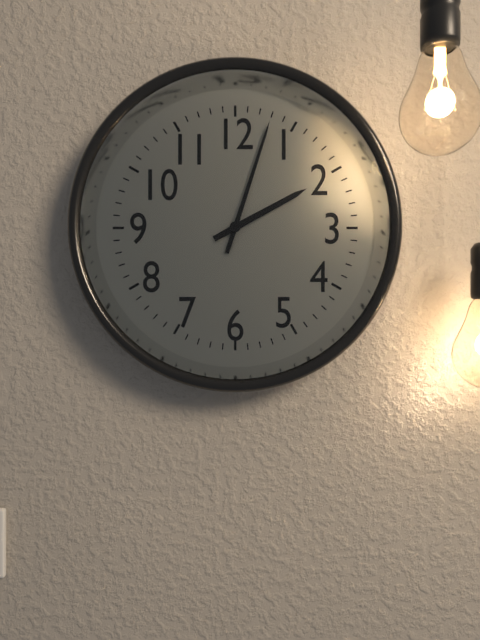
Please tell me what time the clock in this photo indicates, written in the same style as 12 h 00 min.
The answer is 2 h 03 min
